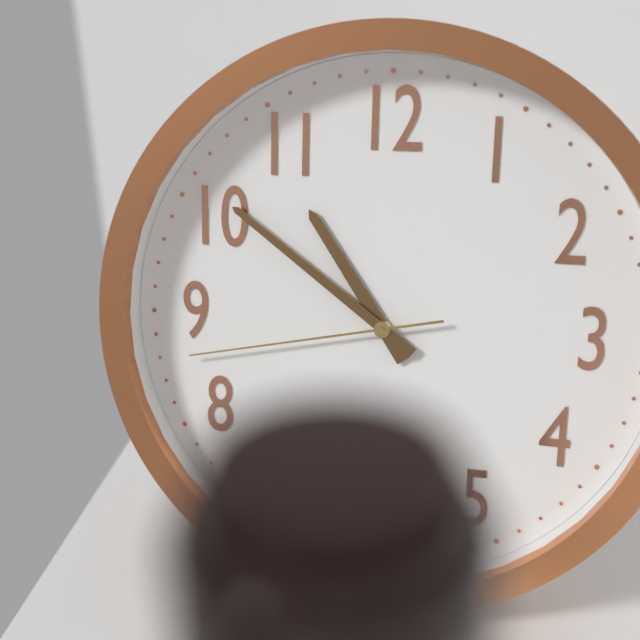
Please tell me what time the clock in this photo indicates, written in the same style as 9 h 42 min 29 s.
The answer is 10 h 51 min 43 s
